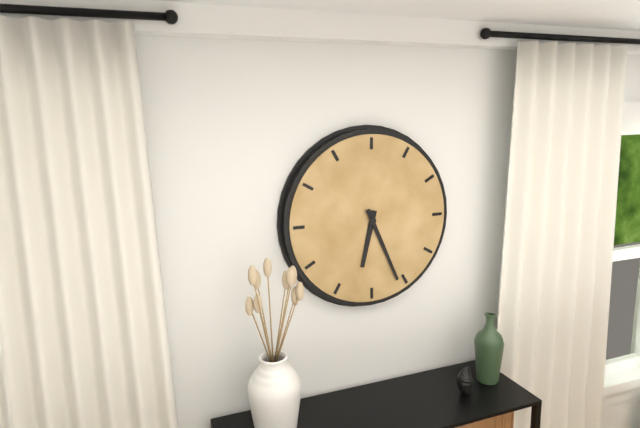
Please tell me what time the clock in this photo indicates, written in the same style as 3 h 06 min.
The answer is 6 h 26 min
